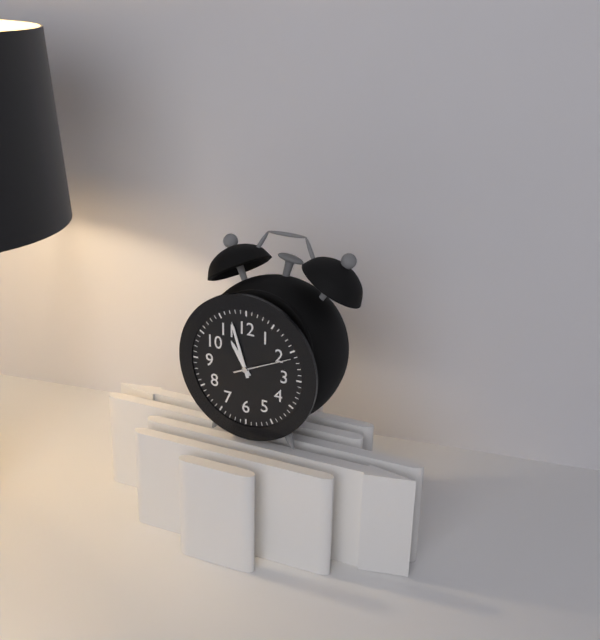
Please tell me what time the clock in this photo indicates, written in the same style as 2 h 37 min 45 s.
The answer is 10 h 57 min 11 s
